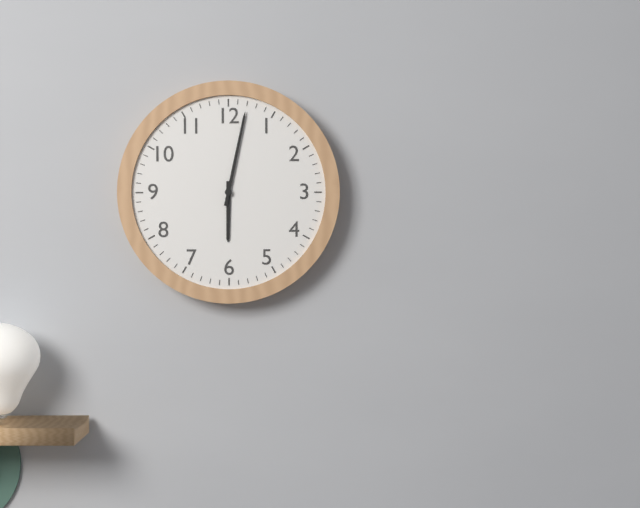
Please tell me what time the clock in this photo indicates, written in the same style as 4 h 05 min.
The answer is 6 h 02 min
